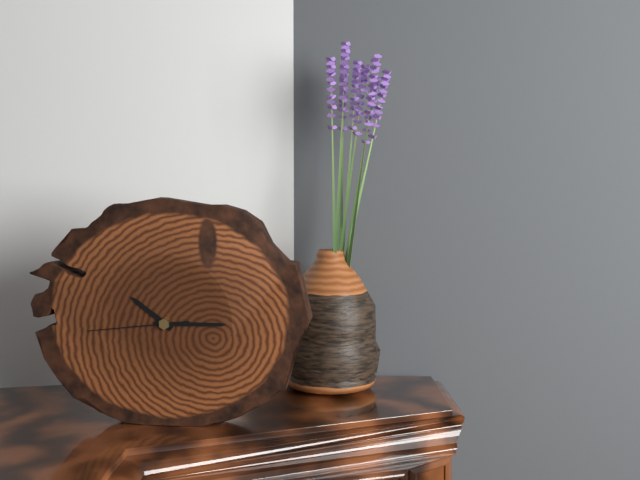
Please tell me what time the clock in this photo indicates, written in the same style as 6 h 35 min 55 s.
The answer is 10 h 15 min 44 s
